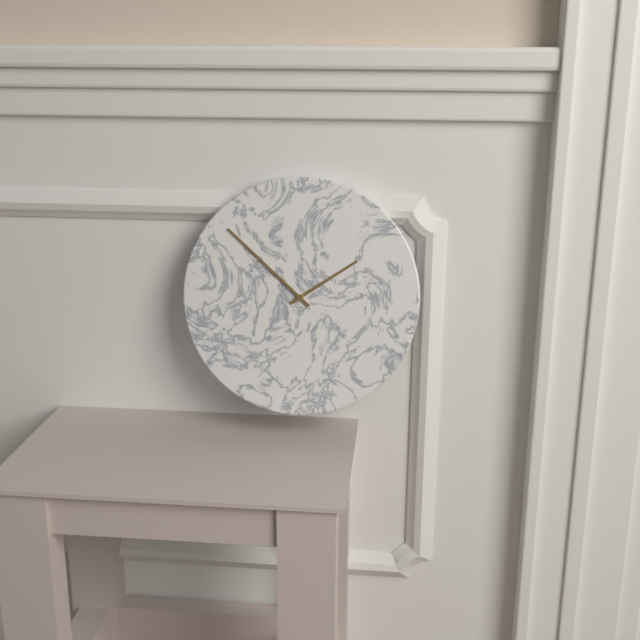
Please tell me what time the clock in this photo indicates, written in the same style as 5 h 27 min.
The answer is 1 h 52 min
